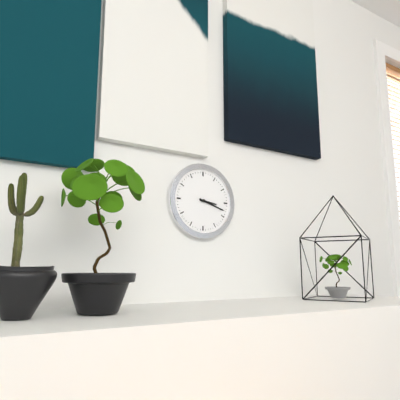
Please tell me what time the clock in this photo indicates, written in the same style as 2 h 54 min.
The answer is 3 h 18 min
